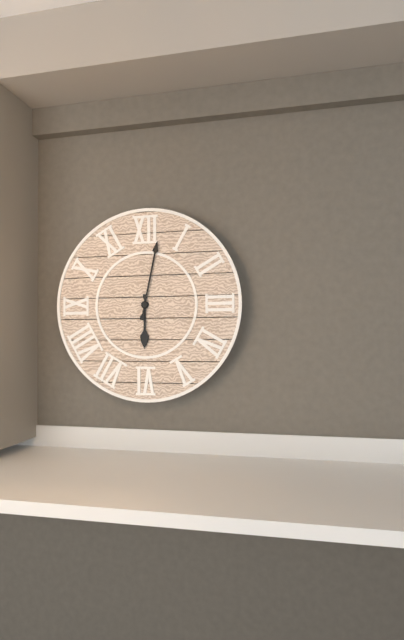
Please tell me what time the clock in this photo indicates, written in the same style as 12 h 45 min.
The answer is 6 h 02 min
